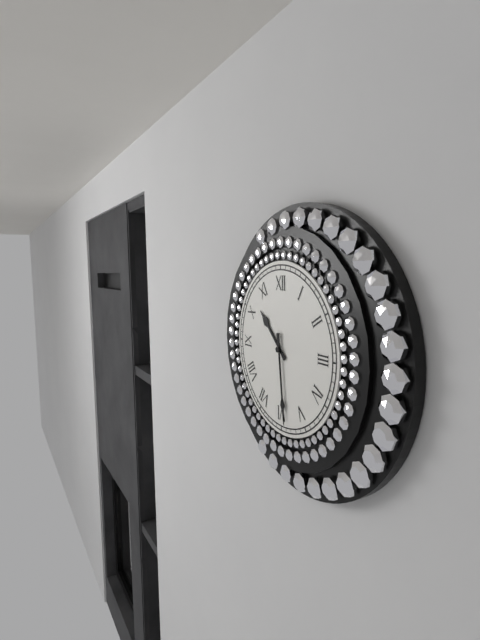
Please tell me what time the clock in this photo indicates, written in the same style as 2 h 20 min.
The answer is 10 h 29 min
